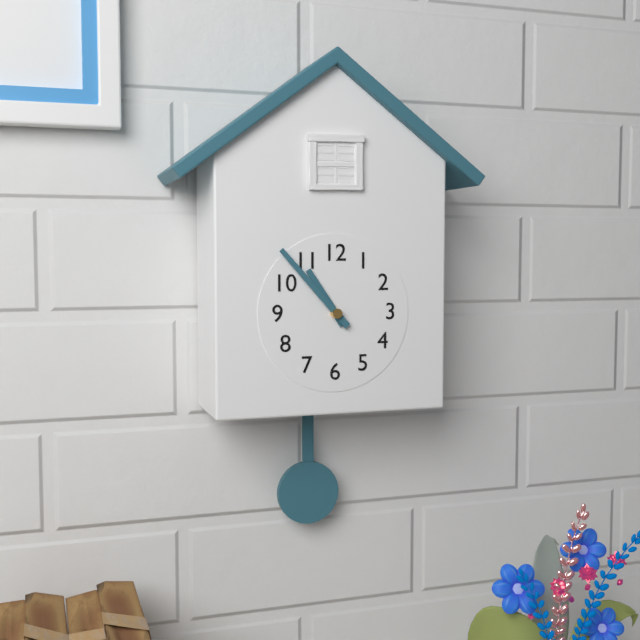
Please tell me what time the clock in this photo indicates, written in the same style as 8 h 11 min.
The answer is 10 h 53 min
